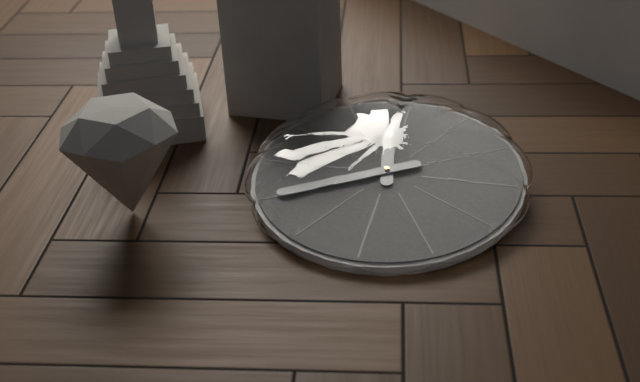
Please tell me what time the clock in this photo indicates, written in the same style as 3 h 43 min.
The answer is 11 h 40 min
